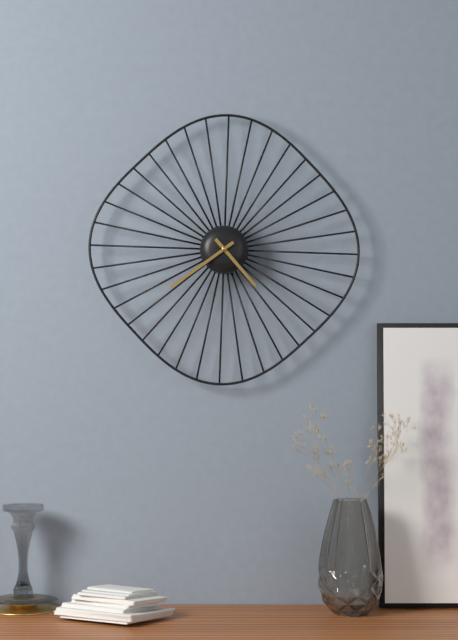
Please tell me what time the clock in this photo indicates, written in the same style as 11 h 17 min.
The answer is 4 h 39 min
